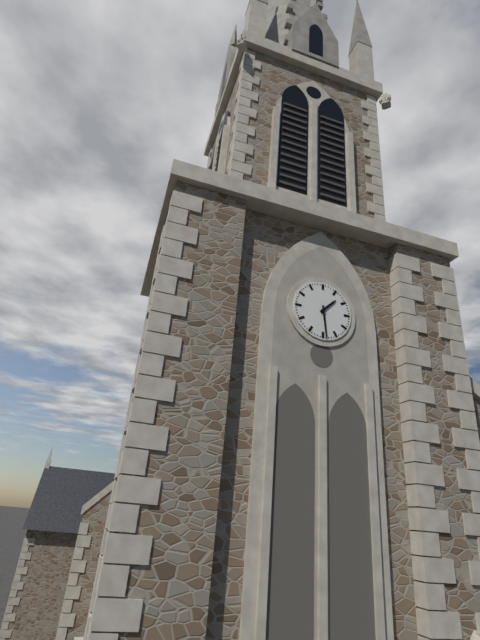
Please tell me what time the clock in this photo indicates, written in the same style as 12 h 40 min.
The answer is 1 h 29 min
